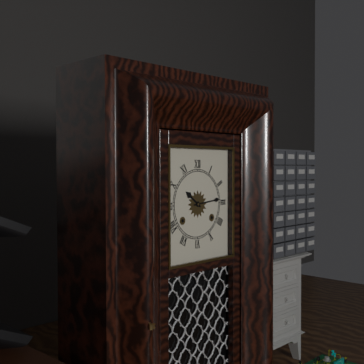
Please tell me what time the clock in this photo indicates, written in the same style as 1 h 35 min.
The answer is 10 h 14 min
